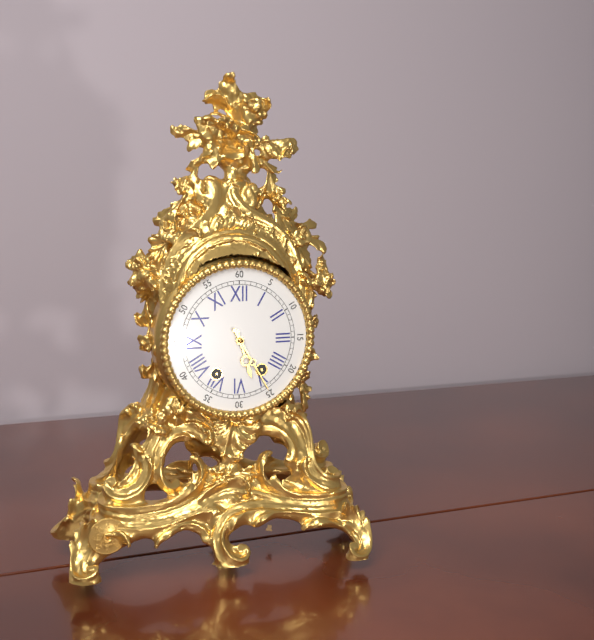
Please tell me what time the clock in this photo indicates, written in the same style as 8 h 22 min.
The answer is 5 h 25 min
